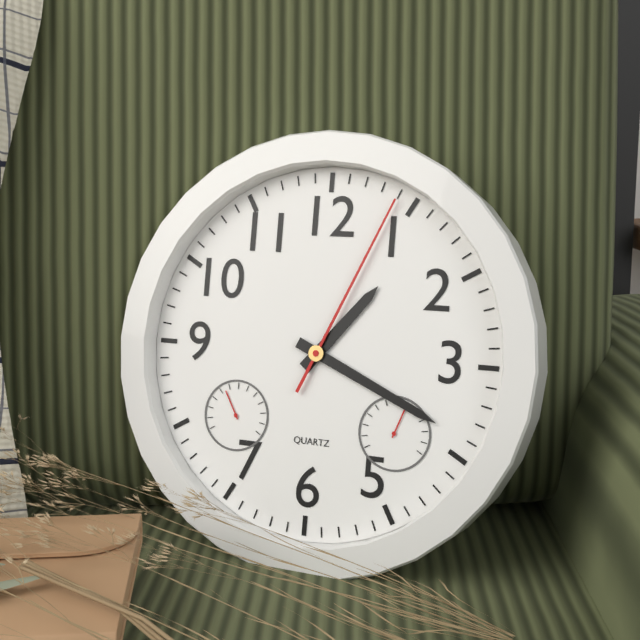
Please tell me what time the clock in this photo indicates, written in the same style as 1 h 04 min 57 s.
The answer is 1 h 19 min 04 s
